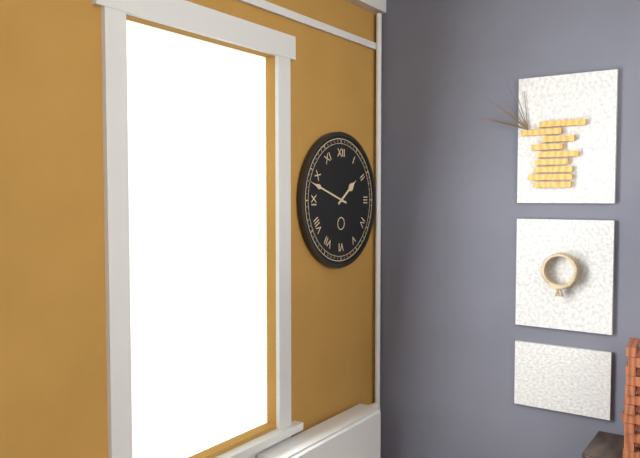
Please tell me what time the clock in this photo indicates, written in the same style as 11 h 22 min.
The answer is 1 h 48 min
